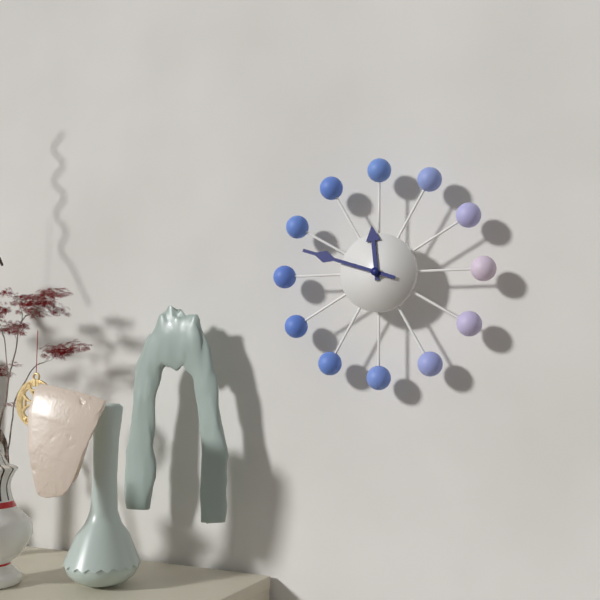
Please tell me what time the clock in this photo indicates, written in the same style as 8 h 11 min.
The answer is 11 h 48 min
